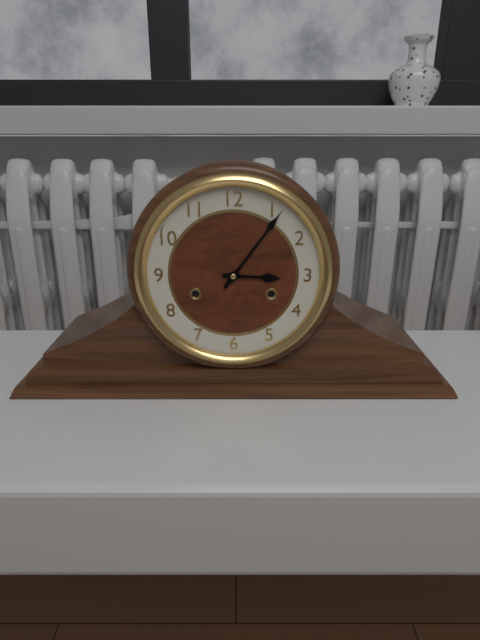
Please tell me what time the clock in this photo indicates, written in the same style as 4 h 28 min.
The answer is 3 h 06 min
